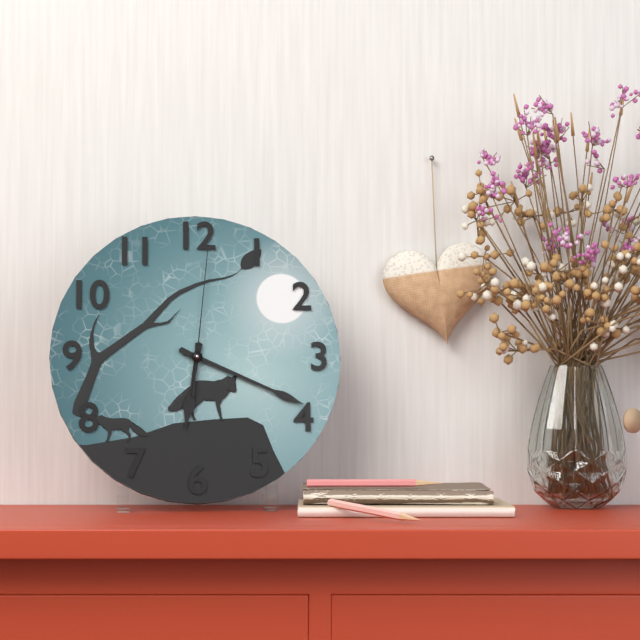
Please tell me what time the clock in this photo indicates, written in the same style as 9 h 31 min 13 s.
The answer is 6 h 19 min 01 s
